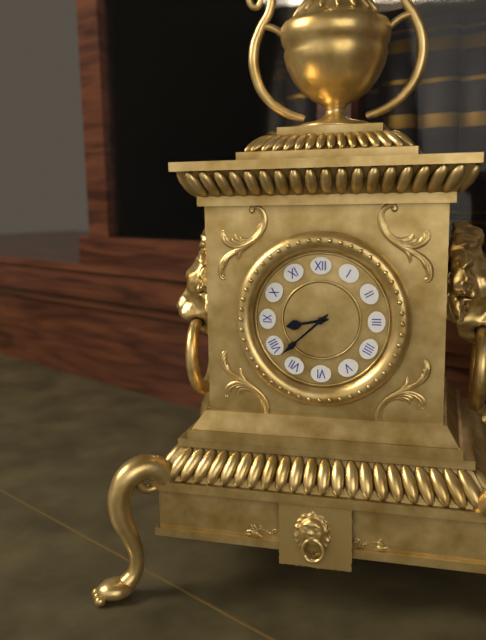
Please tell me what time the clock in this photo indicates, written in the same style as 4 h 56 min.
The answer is 8 h 38 min
